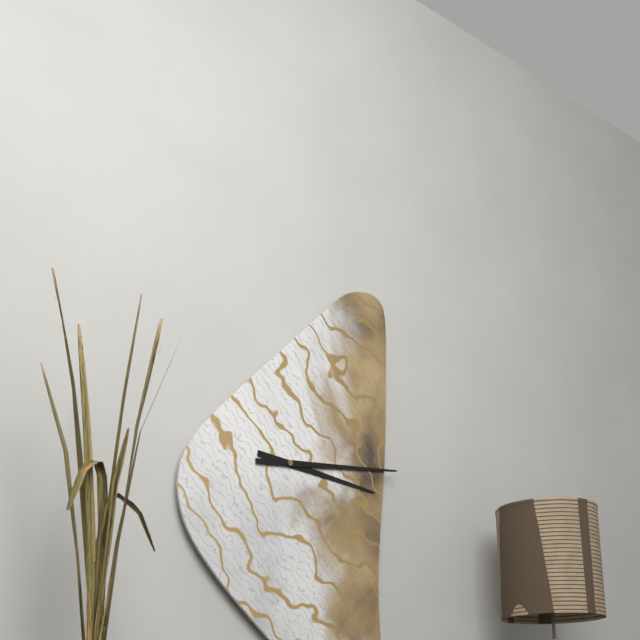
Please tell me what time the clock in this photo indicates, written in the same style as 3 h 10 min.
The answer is 3 h 14 min
